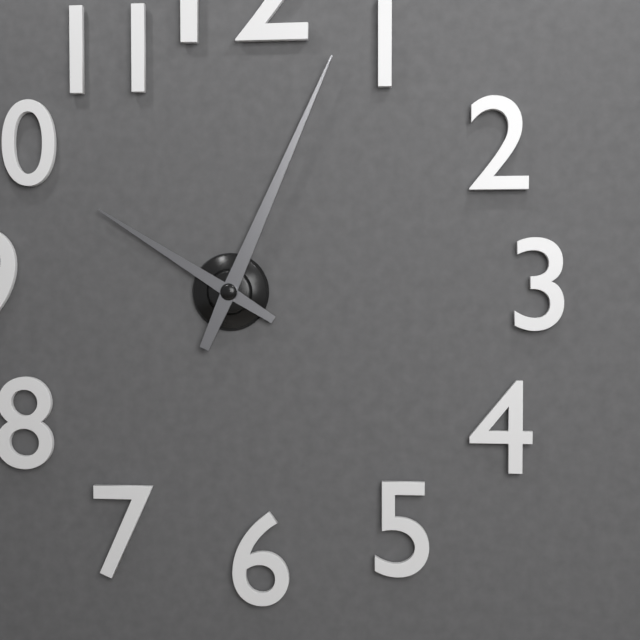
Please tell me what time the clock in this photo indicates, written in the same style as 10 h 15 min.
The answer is 10 h 04 min
